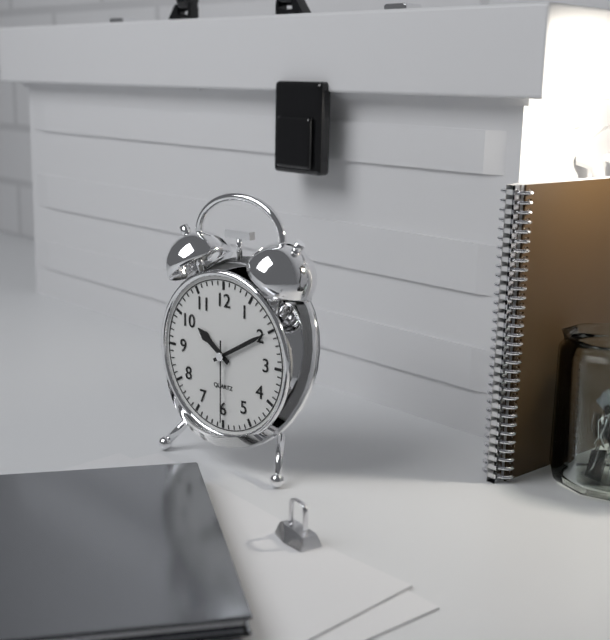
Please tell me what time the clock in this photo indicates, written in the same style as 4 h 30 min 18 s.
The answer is 10 h 10 min 30 s
